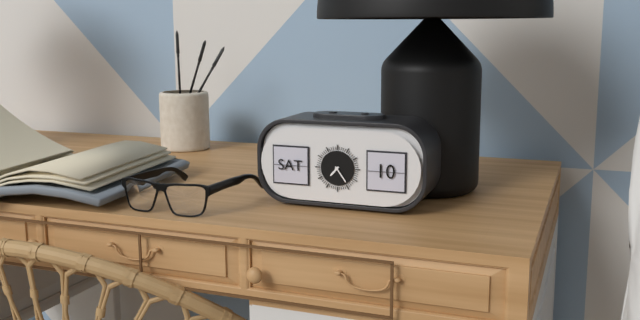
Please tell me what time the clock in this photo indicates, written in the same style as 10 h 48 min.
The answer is 7 h 24 min
